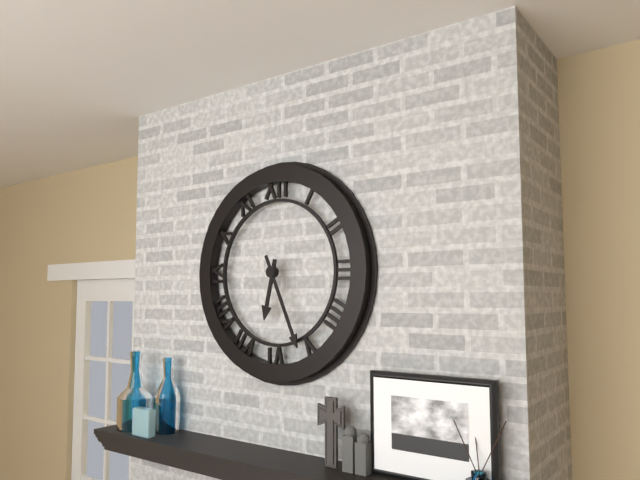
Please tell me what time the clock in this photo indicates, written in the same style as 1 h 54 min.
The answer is 6 h 26 min
